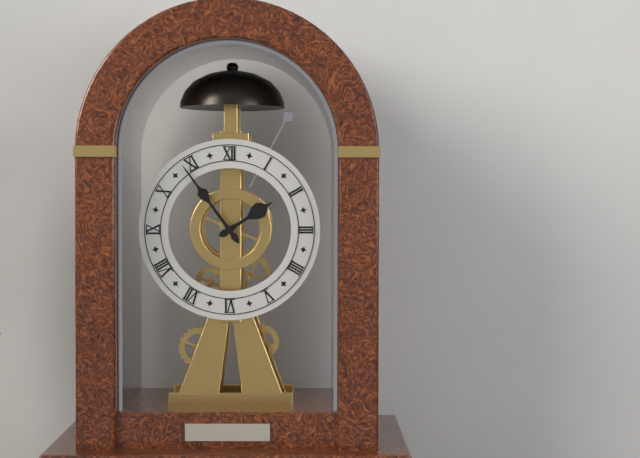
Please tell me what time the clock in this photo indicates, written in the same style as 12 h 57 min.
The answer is 1 h 54 min
